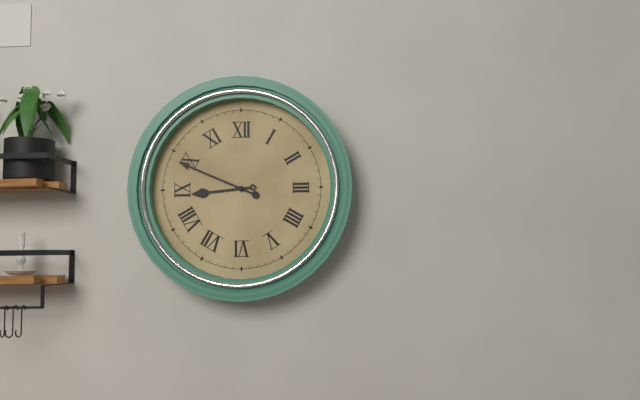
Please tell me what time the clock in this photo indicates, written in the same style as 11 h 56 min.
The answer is 8 h 49 min
